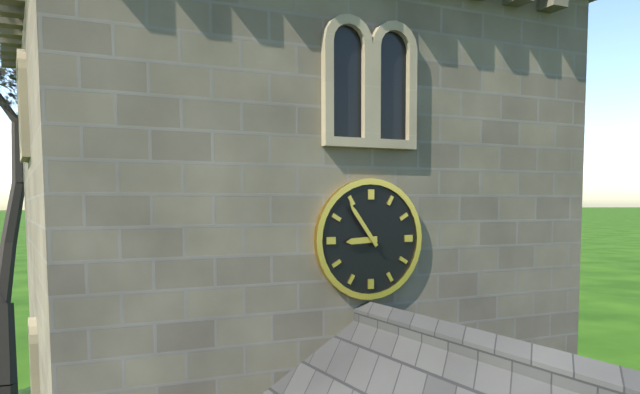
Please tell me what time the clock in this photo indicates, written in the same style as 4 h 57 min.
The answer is 8 h 54 min
